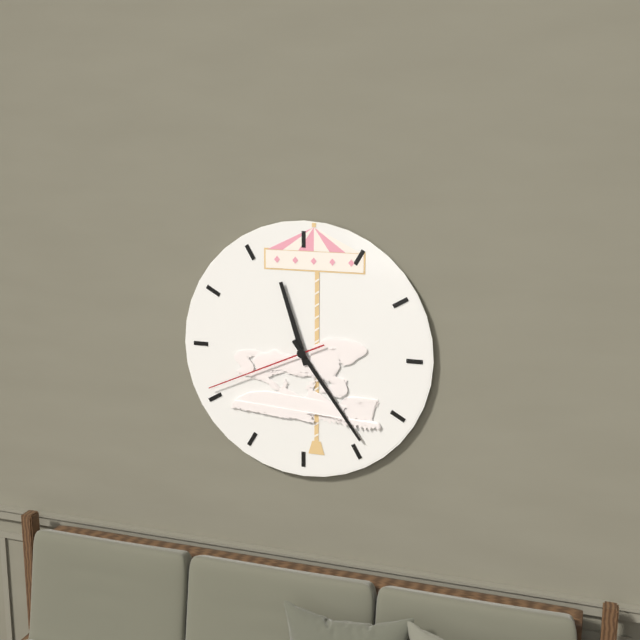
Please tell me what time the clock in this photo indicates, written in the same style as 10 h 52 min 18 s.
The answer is 11 h 24 min 41 s
